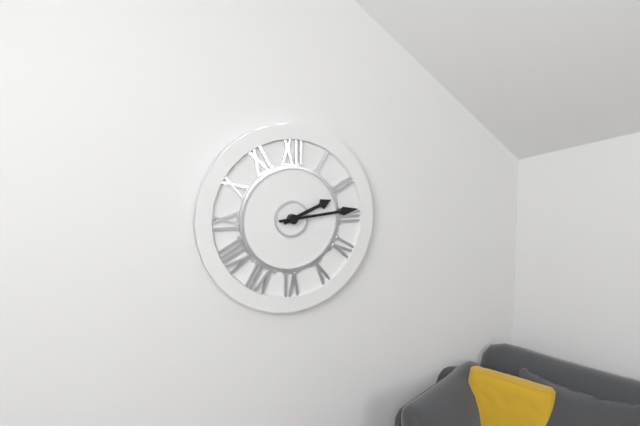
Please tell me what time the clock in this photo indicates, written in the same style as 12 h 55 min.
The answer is 2 h 14 min
